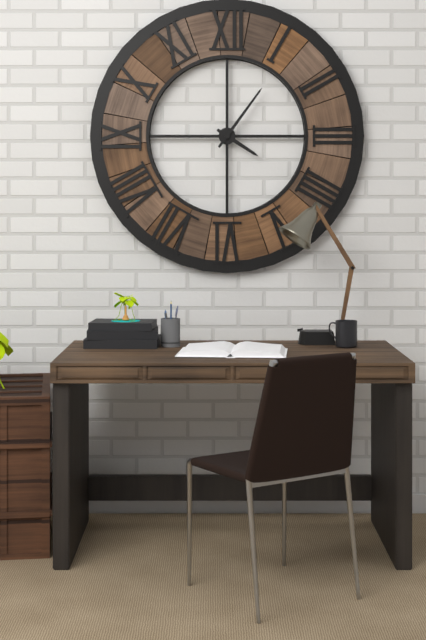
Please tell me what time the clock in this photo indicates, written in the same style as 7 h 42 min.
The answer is 4 h 06 min
